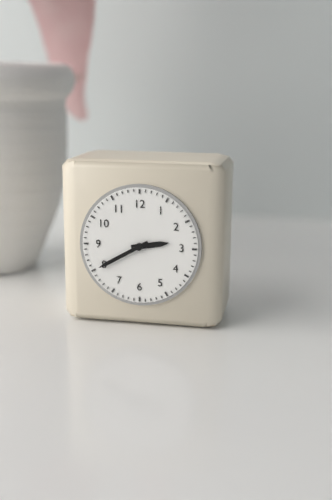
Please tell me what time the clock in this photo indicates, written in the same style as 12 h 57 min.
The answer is 2 h 40 min
